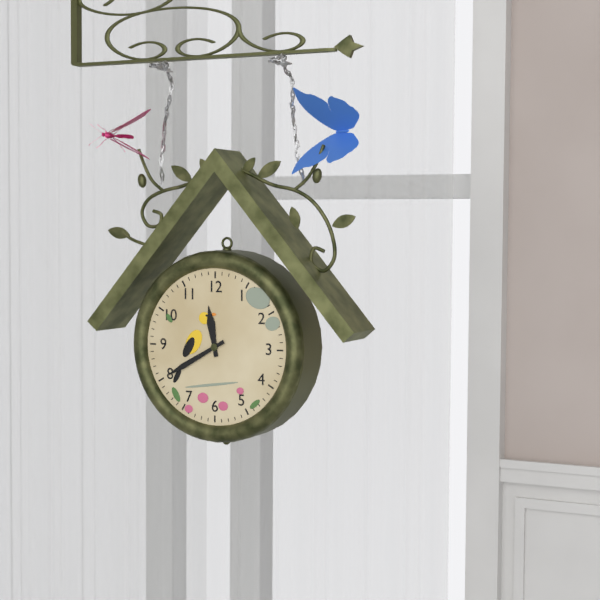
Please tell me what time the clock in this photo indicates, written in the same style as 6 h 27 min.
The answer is 11 h 40 min
